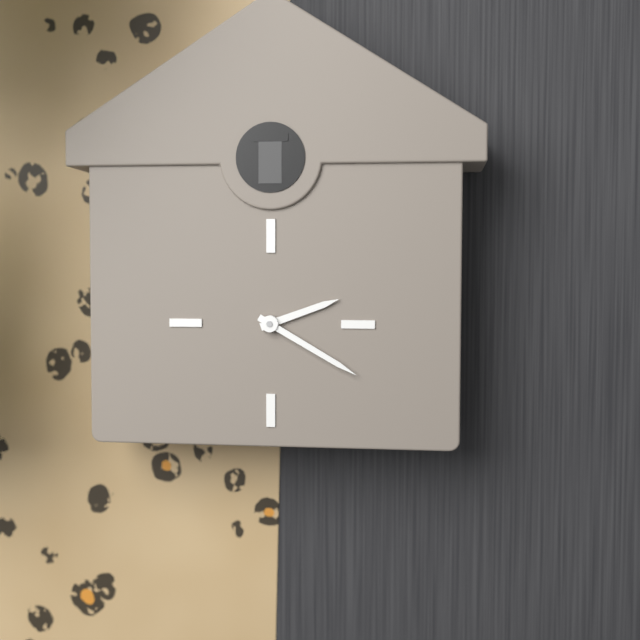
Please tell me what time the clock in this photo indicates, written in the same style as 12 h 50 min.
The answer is 2 h 20 min
